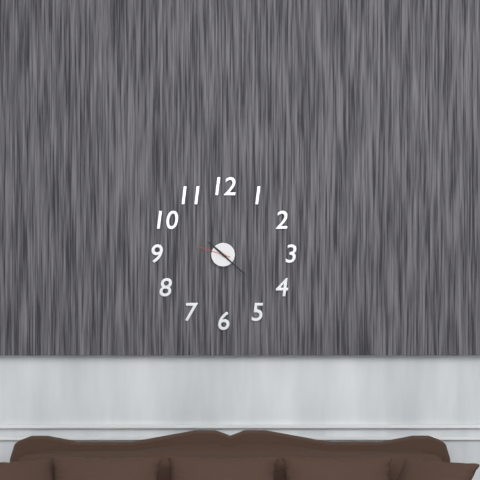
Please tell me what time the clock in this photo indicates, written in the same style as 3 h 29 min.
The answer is 10 h 22 min
